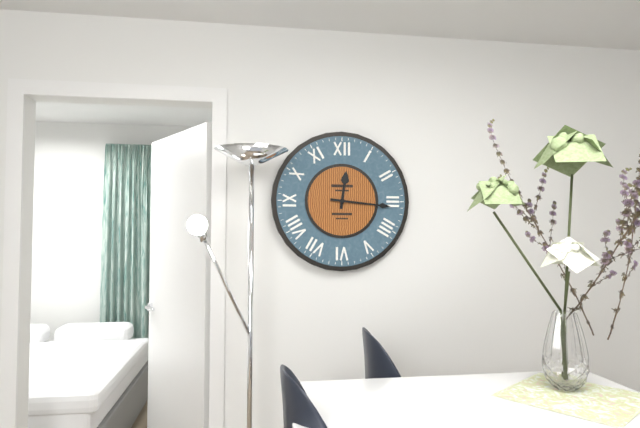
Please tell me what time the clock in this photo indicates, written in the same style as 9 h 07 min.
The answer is 12 h 16 min
